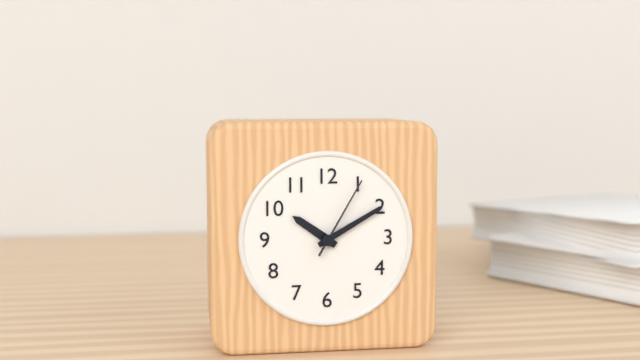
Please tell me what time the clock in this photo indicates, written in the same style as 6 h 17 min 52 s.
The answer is 10 h 10 min 05 s
